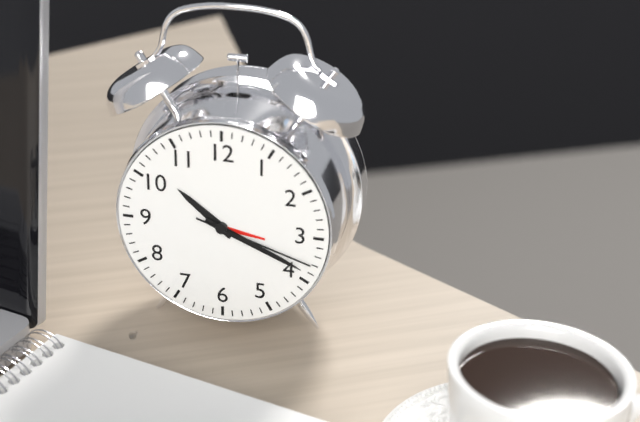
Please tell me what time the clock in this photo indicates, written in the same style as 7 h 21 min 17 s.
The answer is 10 h 19 min 18 s
